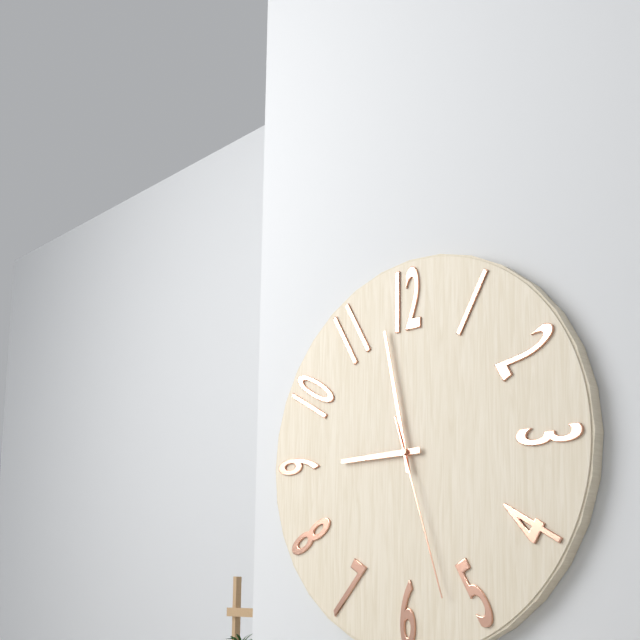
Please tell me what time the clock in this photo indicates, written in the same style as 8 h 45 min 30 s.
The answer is 8 h 58 min 27 s
